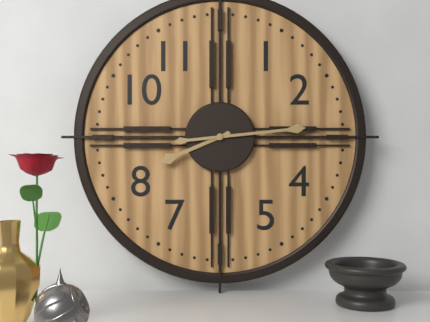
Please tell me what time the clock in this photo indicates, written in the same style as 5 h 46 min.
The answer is 8 h 14 min
